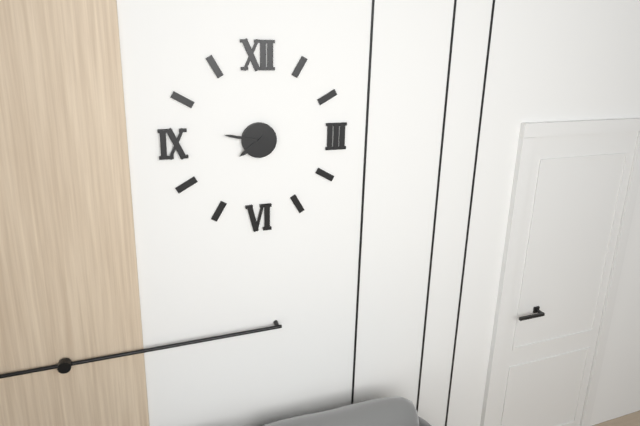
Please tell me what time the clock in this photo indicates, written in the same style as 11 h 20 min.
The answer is 7 h 47 min
